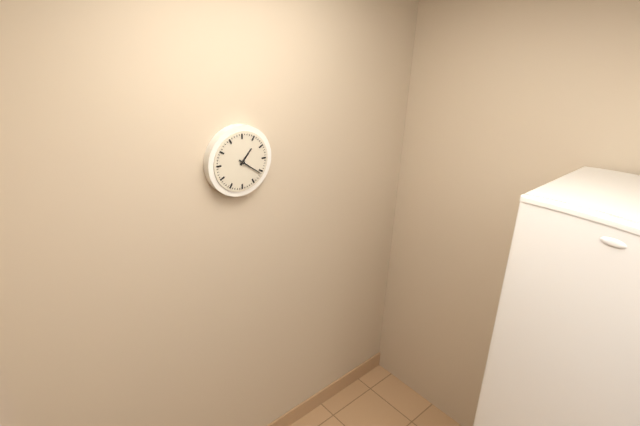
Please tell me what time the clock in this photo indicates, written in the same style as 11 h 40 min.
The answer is 1 h 21 min
